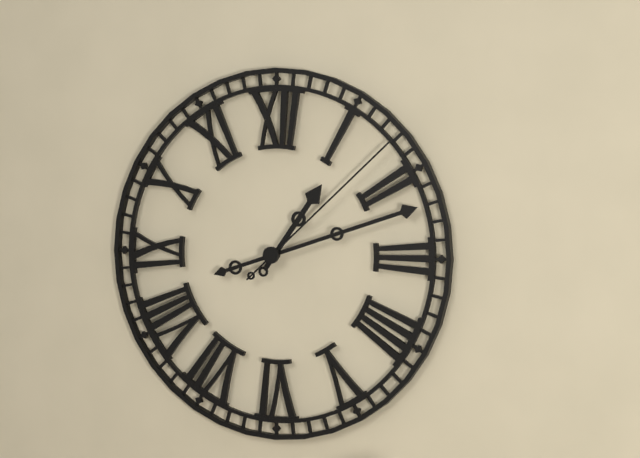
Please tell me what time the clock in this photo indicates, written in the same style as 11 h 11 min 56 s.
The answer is 1 h 12 min 08 s
